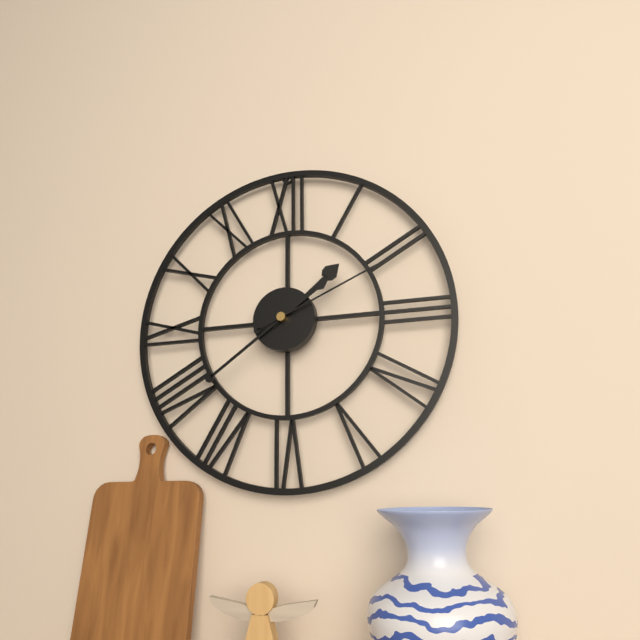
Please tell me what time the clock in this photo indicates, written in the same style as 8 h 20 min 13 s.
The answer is 1 h 39 min 11 s
